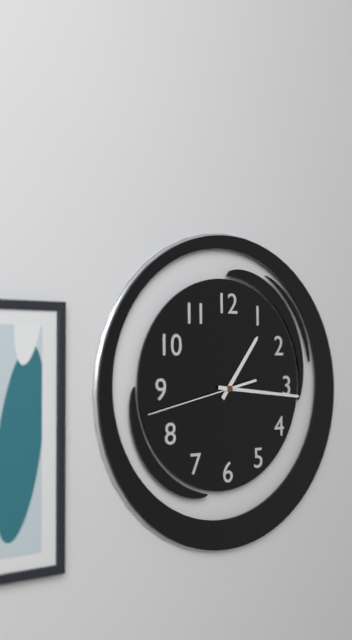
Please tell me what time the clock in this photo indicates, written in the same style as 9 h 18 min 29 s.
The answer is 1 h 16 min 43 s
